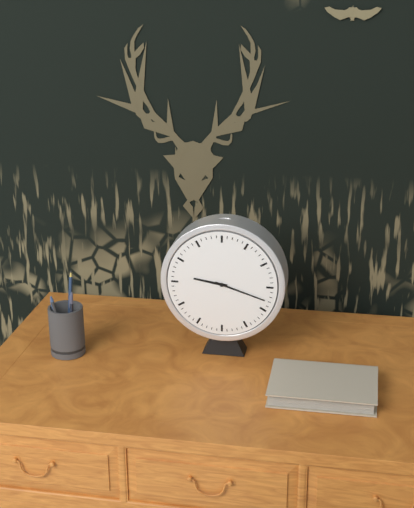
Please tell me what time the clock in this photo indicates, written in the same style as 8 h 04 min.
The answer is 9 h 18 min
